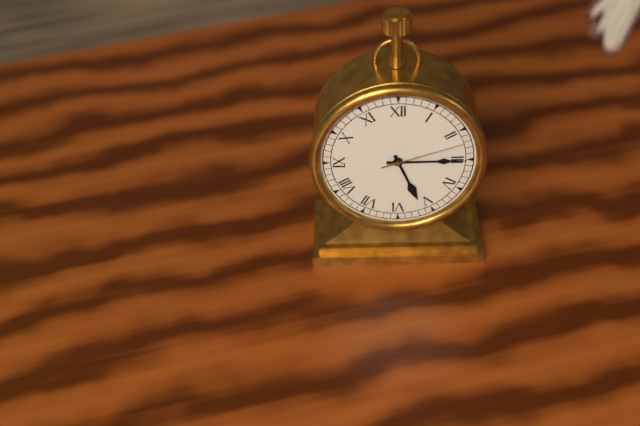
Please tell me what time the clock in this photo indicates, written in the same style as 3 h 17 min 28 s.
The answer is 5 h 15 min 12 s
